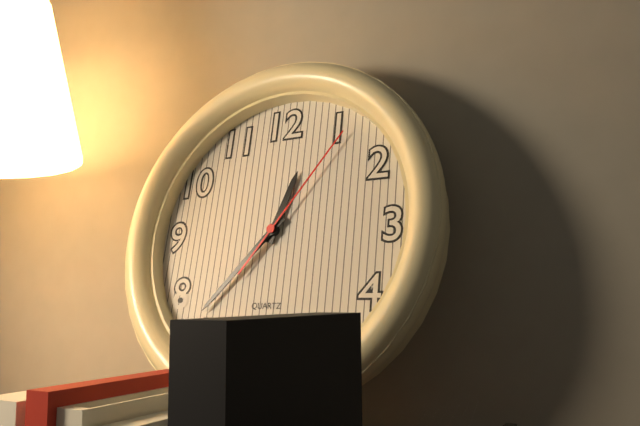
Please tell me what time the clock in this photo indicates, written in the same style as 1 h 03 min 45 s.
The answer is 12 h 37 min 06 s
